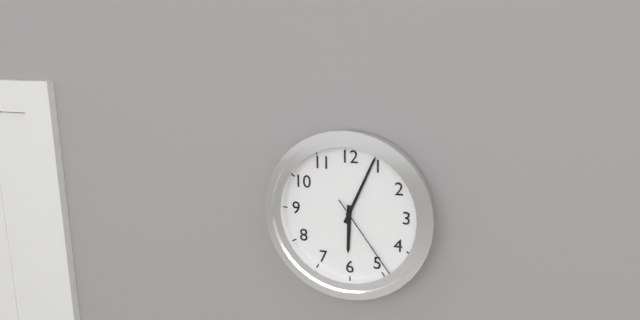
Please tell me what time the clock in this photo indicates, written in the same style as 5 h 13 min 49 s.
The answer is 6 h 04 min 24 s
